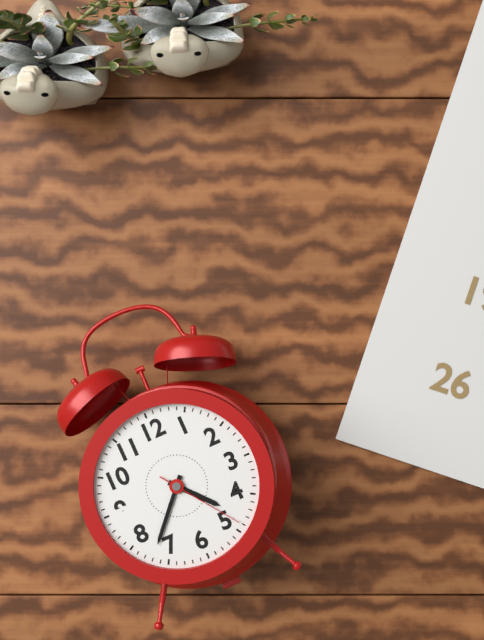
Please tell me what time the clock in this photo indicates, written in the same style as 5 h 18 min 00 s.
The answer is 4 h 37 min 24 s
